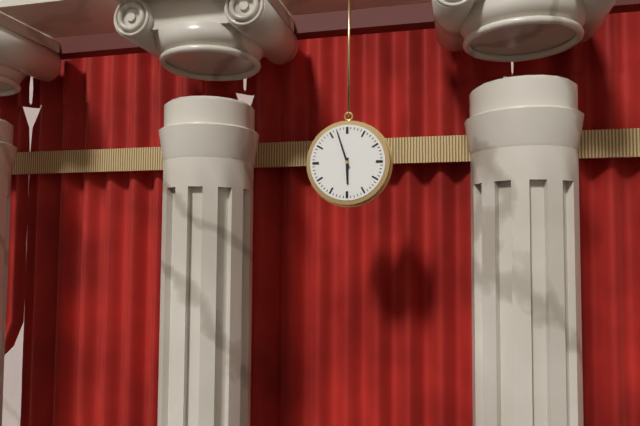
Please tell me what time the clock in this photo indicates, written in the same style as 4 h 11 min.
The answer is 5 h 57 min
